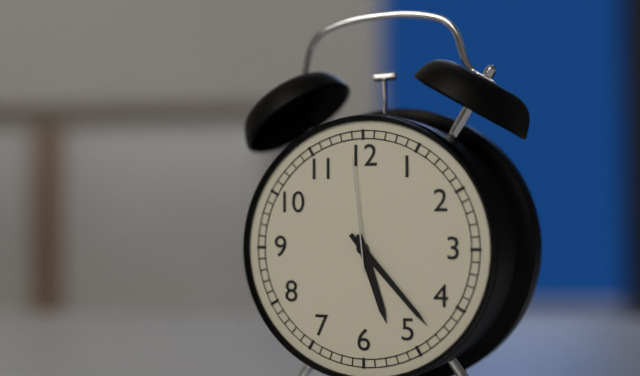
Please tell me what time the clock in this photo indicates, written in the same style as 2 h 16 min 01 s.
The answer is 5 h 23 min 59 s
